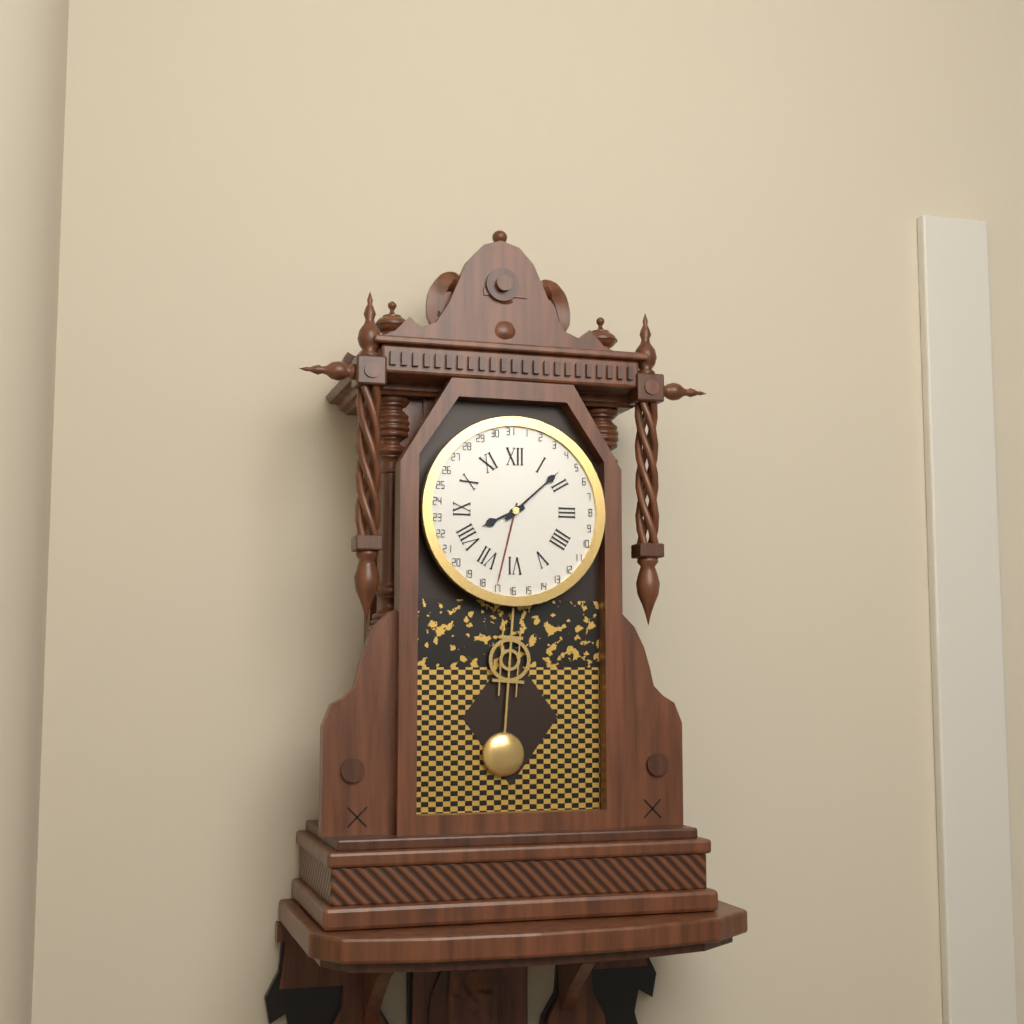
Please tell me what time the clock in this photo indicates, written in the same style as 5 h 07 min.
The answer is 8 h 08 min
